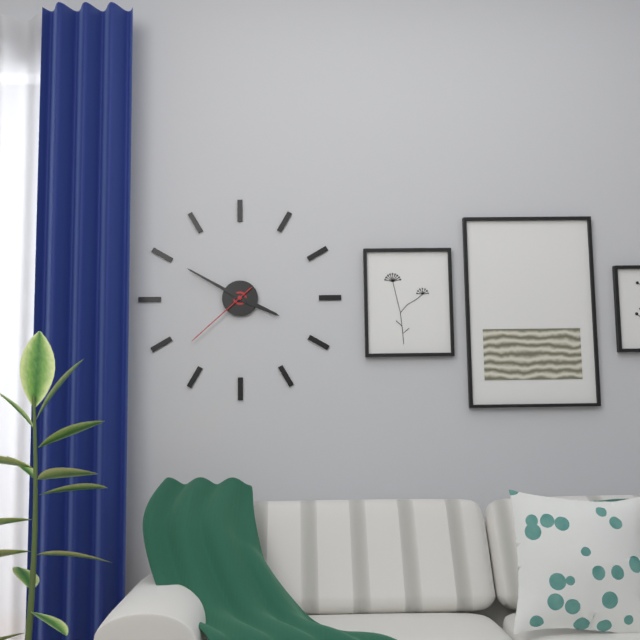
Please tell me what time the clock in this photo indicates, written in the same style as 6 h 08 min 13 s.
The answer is 3 h 50 min 38 s
